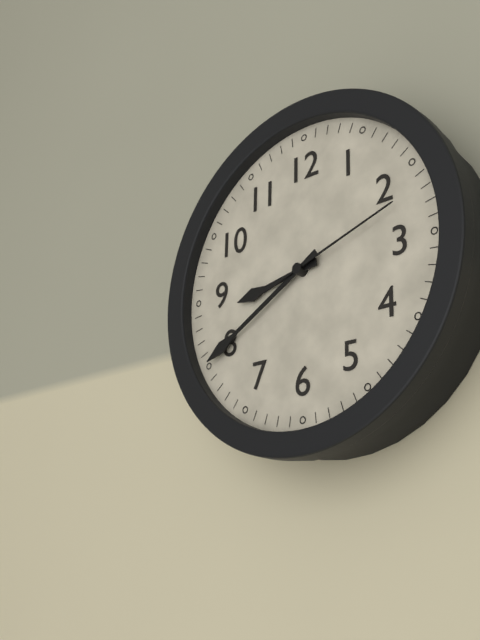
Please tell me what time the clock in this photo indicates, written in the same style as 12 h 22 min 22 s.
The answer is 8 h 40 min 12 s
